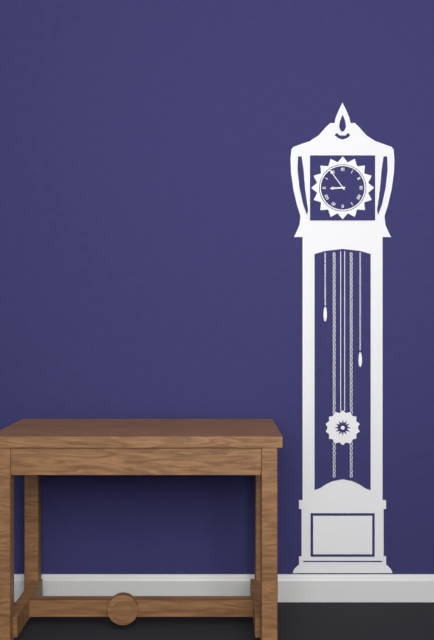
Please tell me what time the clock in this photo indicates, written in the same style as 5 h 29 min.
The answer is 8 h 54 min
